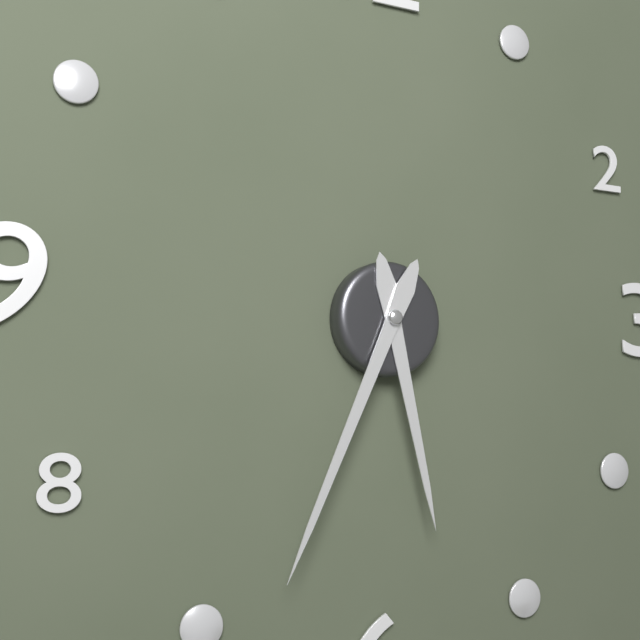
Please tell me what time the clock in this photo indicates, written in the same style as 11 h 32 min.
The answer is 5 h 34 min
